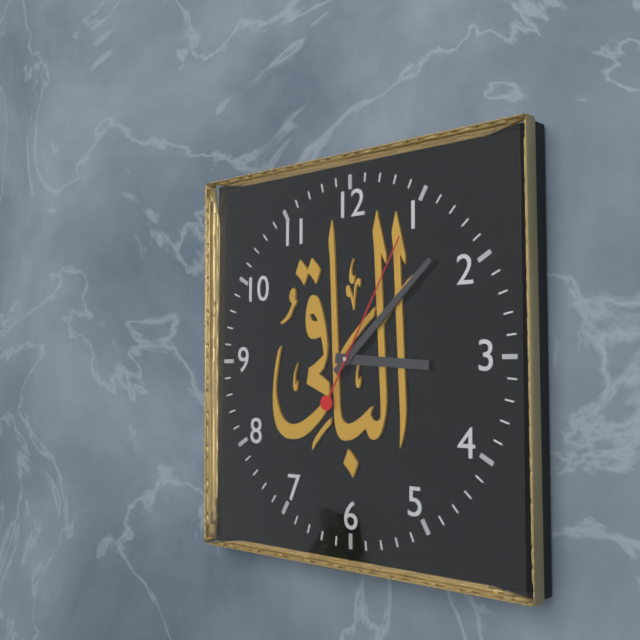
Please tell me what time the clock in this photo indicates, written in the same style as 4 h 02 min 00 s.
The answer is 3 h 08 min 05 s
